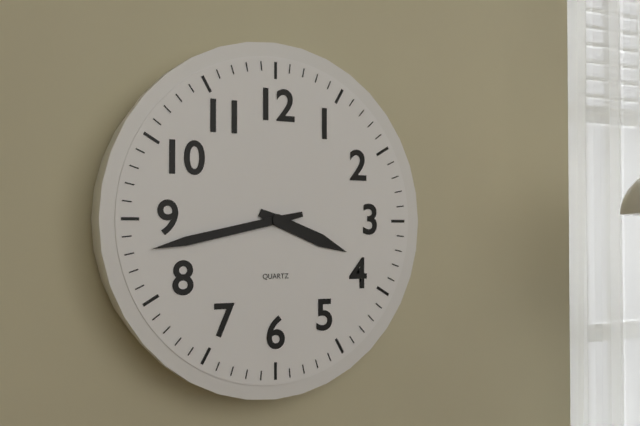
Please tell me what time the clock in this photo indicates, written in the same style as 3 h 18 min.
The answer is 3 h 43 min
